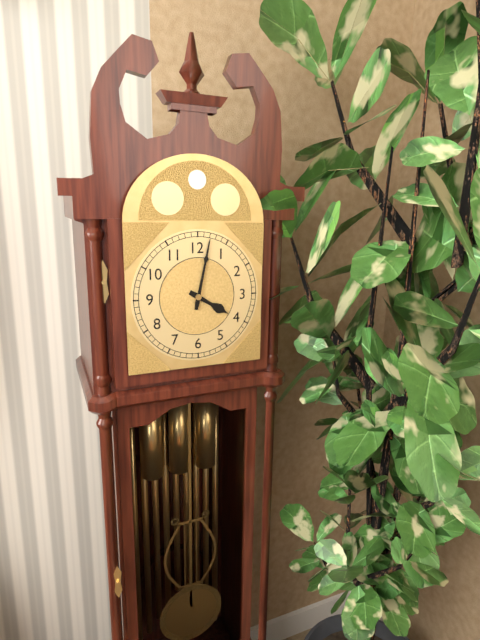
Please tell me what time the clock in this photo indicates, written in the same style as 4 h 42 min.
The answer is 4 h 02 min
